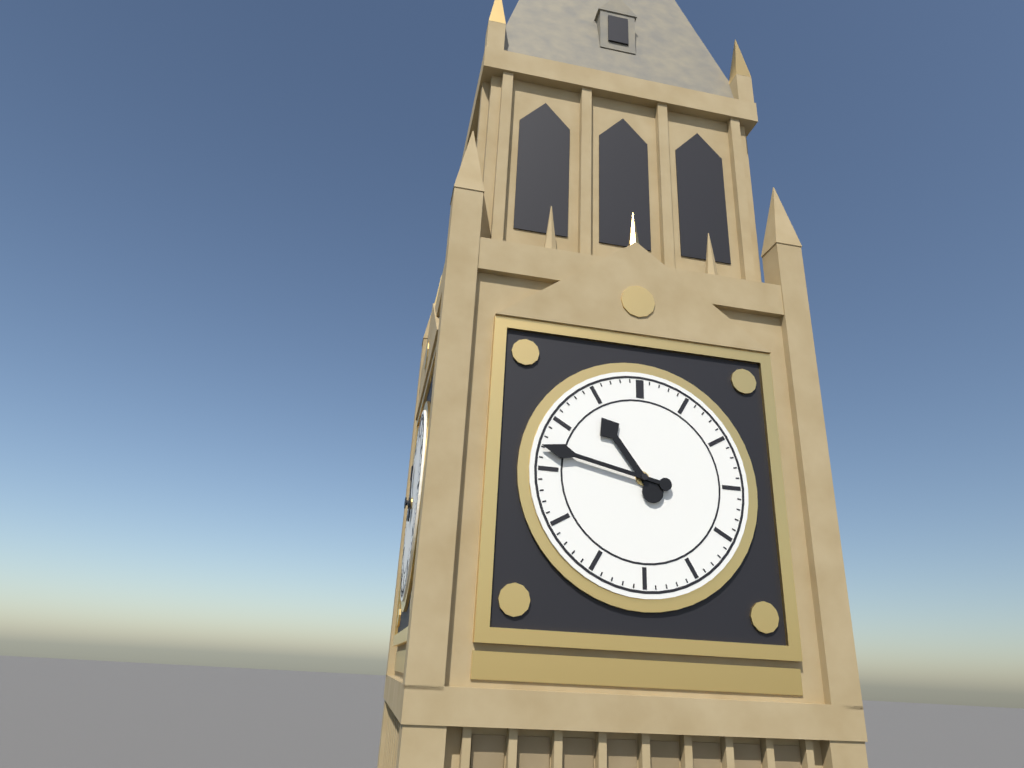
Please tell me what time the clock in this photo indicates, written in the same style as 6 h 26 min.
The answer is 10 h 47 min
